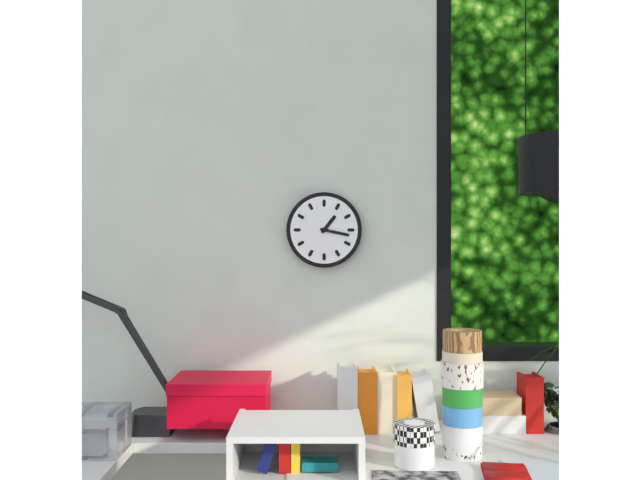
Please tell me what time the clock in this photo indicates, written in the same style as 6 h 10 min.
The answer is 1 h 17 min
